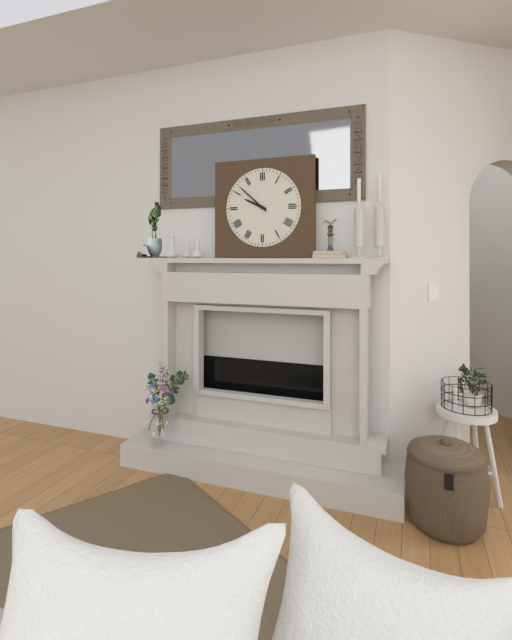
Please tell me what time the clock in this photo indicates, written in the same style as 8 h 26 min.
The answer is 9 h 52 min
